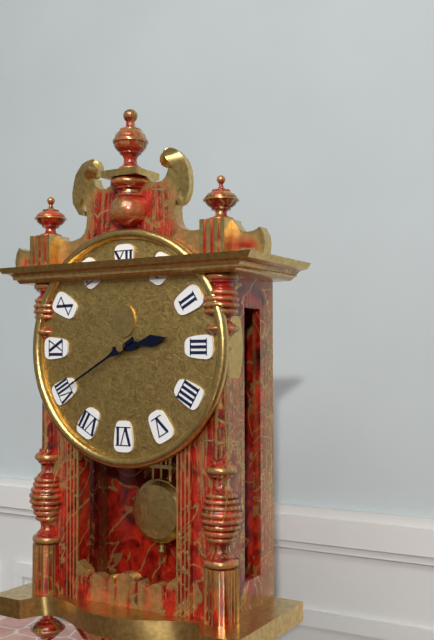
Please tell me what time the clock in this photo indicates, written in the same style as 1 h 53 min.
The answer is 2 h 40 min
